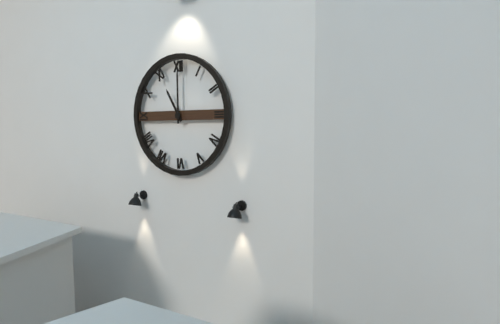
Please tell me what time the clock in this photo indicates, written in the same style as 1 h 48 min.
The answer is 11 h 00 min
